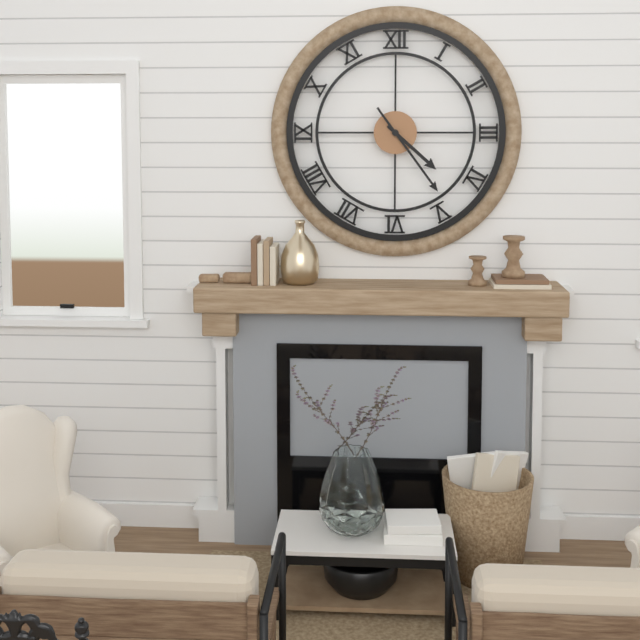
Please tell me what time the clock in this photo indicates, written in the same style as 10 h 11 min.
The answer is 4 h 24 min
